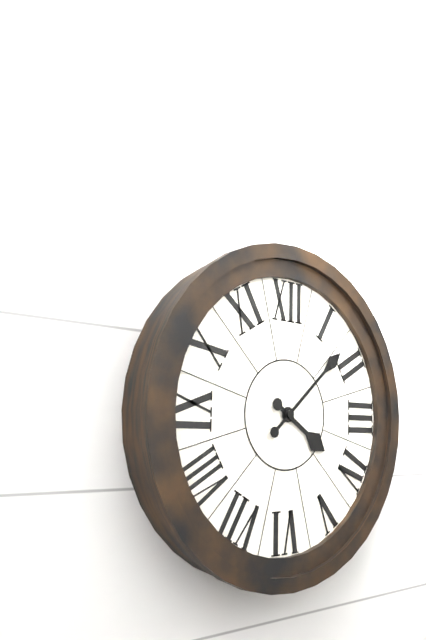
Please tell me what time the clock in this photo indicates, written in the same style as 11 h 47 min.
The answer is 4 h 08 min
